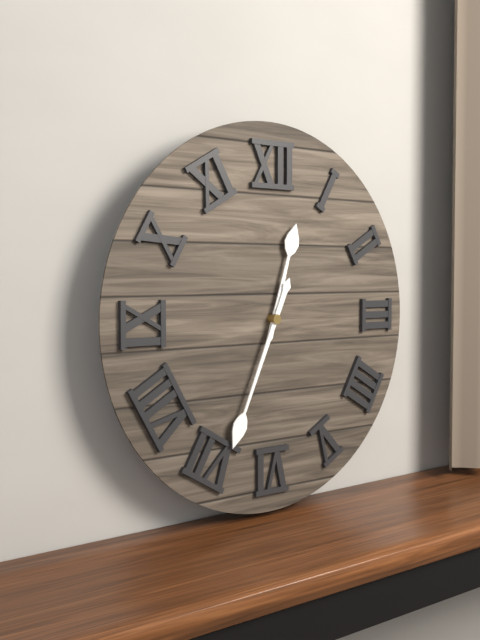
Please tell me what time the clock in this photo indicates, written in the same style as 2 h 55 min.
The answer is 12 h 34 min
